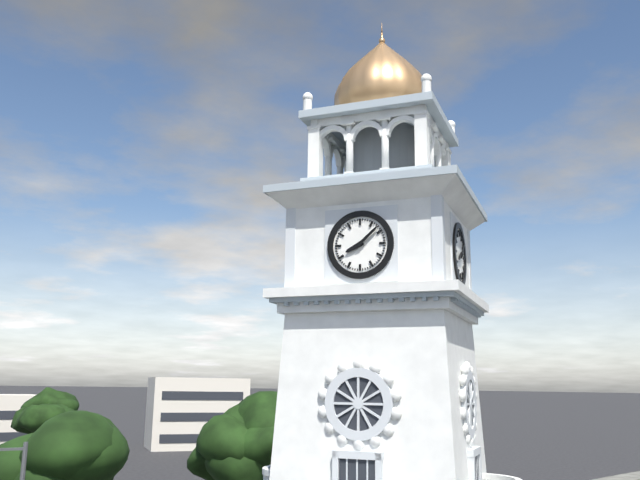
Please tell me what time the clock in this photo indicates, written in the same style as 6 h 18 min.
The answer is 8 h 08 min
